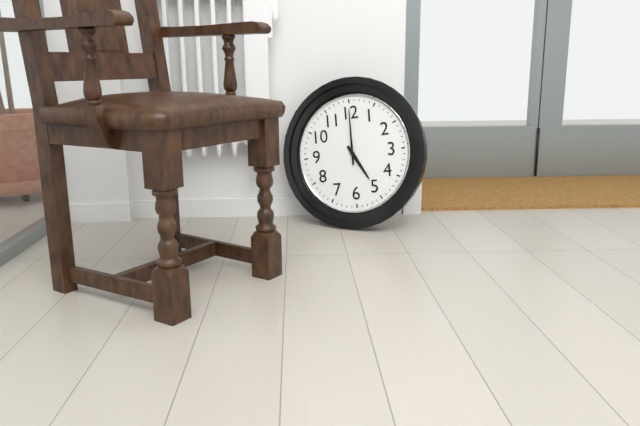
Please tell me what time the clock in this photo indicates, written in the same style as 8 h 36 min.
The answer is 5 h 00 min
